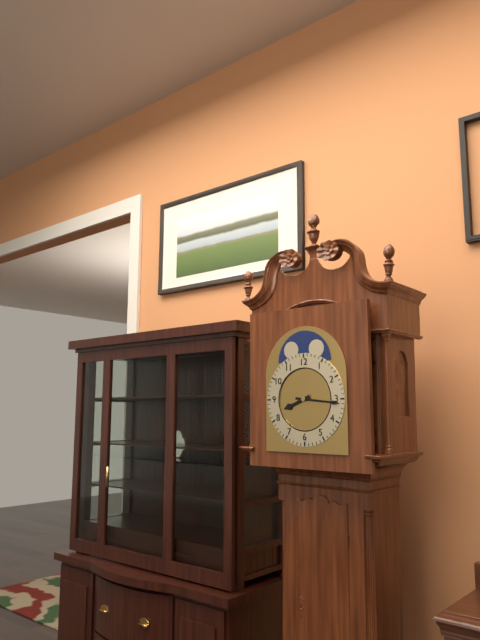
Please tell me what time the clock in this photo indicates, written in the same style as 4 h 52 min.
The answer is 8 h 16 min
